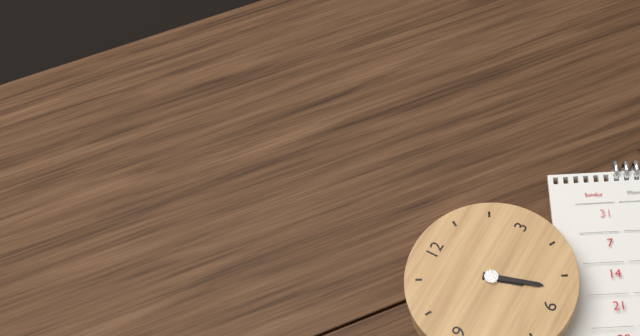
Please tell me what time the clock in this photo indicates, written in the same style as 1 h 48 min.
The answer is 5 h 27 min
